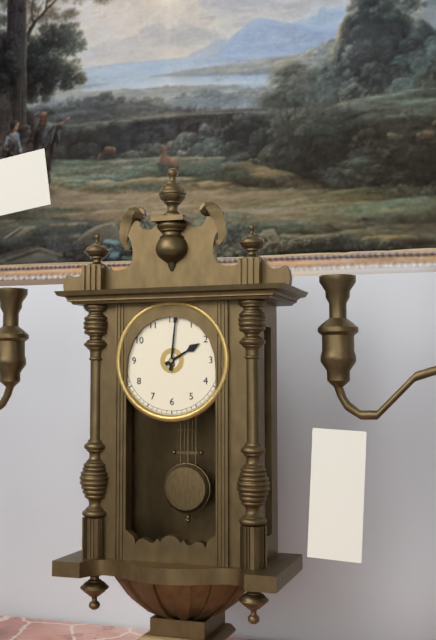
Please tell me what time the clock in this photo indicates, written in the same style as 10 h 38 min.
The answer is 2 h 01 min
